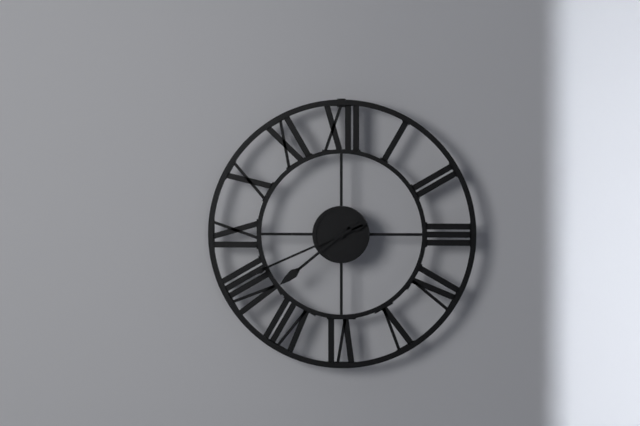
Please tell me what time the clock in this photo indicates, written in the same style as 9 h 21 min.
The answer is 7 h 41 min
